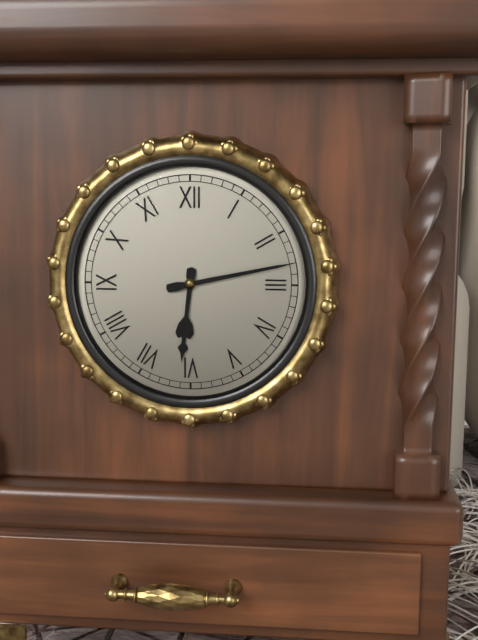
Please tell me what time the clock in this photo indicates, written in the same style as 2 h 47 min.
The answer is 6 h 13 min
